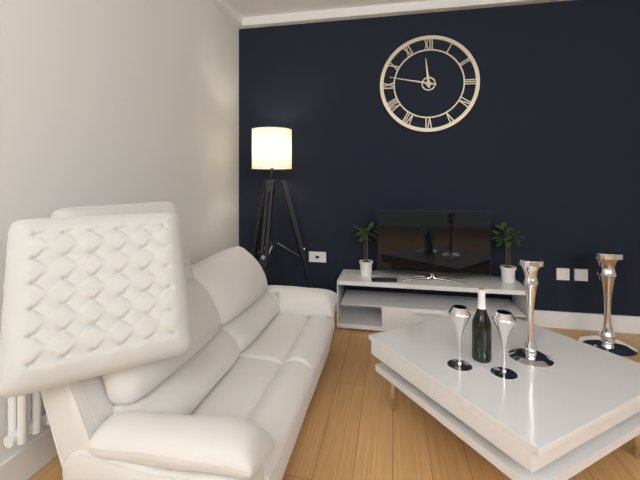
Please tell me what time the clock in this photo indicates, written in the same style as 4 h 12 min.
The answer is 11 h 47 min
